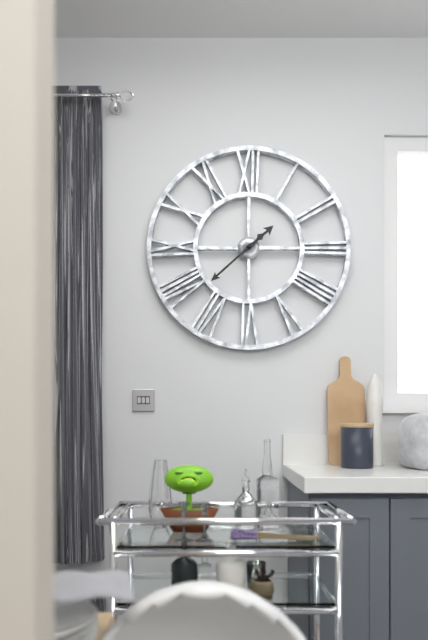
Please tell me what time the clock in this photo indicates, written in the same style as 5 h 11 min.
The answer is 1 h 38 min
